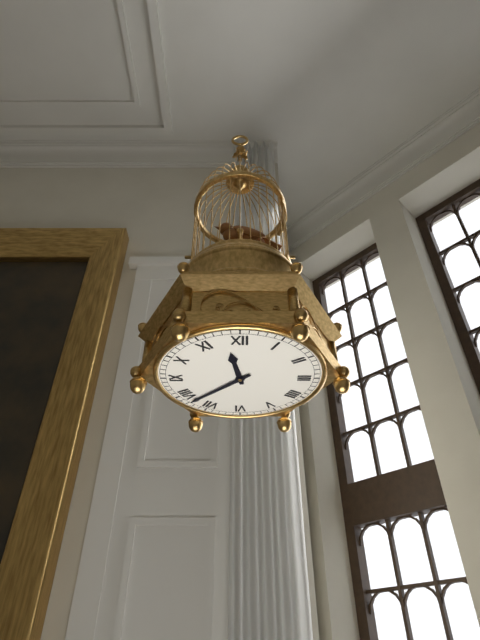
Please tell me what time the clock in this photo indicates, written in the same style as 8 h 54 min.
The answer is 11 h 38 min
